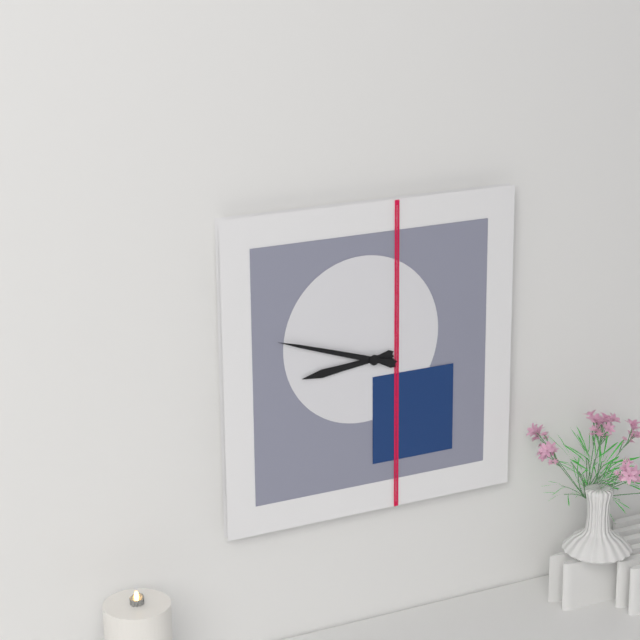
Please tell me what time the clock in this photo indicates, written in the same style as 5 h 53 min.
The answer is 8 h 48 min
